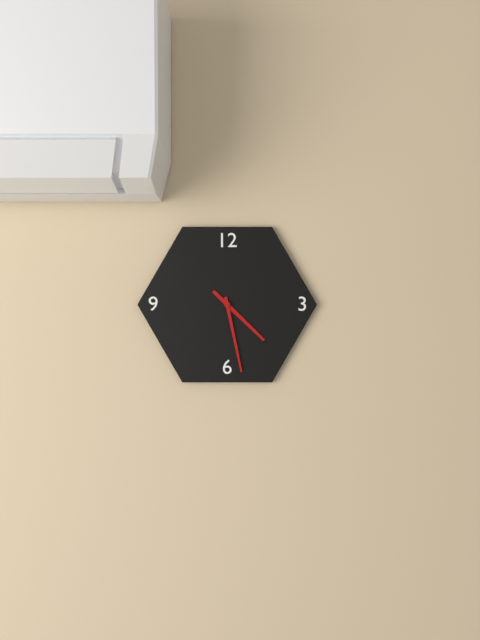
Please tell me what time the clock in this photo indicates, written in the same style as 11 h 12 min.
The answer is 4 h 28 min
